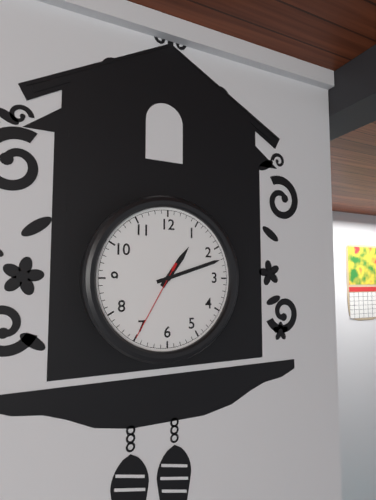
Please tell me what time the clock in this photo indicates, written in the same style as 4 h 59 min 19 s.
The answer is 1 h 12 min 35 s
